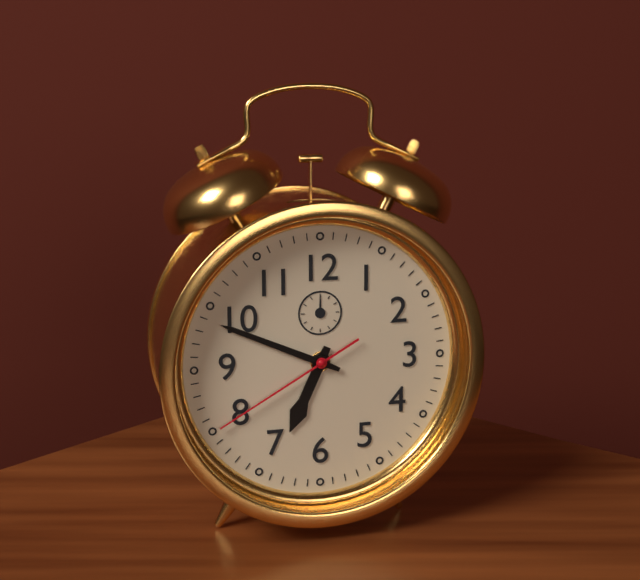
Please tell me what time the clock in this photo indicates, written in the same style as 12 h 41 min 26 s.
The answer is 6 h 49 min 40 s
